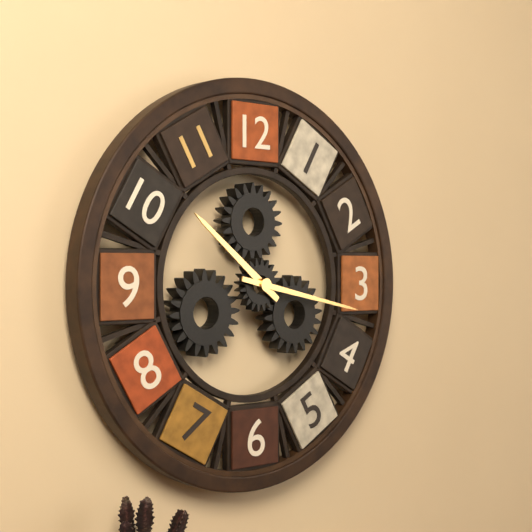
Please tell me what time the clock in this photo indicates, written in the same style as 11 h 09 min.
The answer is 10 h 17 min
